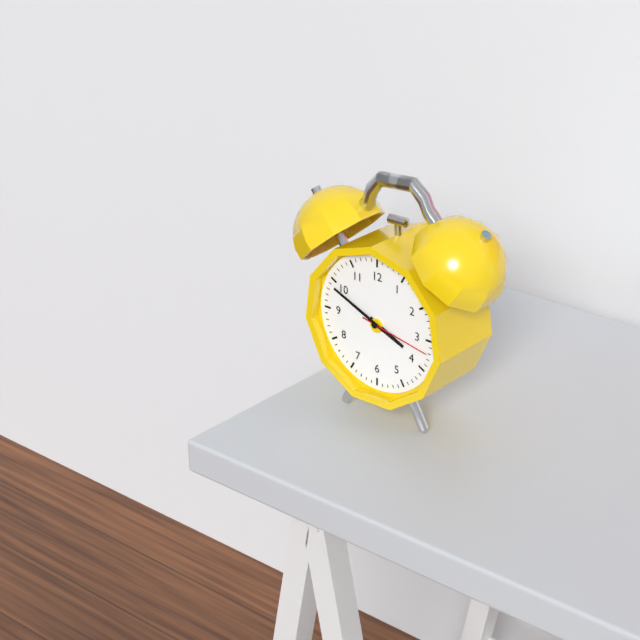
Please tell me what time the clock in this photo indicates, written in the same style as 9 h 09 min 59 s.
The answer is 3 h 49 min 17 s
